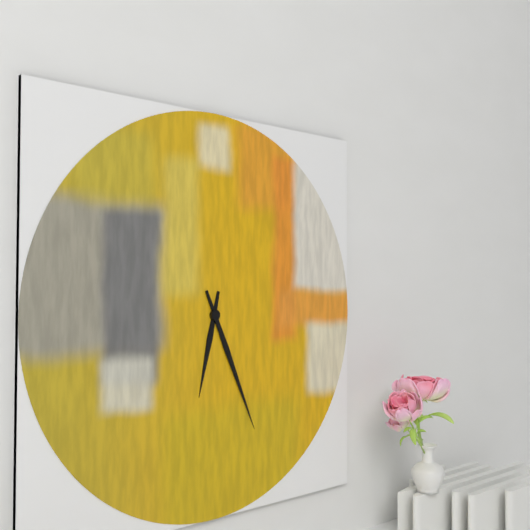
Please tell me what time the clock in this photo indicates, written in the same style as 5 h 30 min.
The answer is 6 h 26 min
